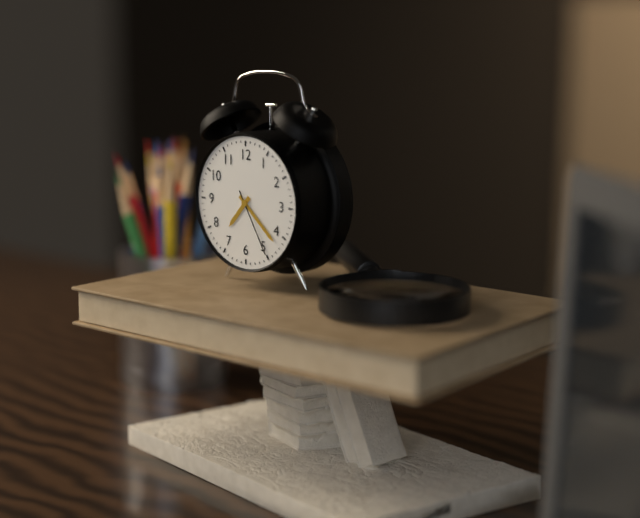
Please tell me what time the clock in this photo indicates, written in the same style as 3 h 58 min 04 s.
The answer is 7 h 22 min 25 s
